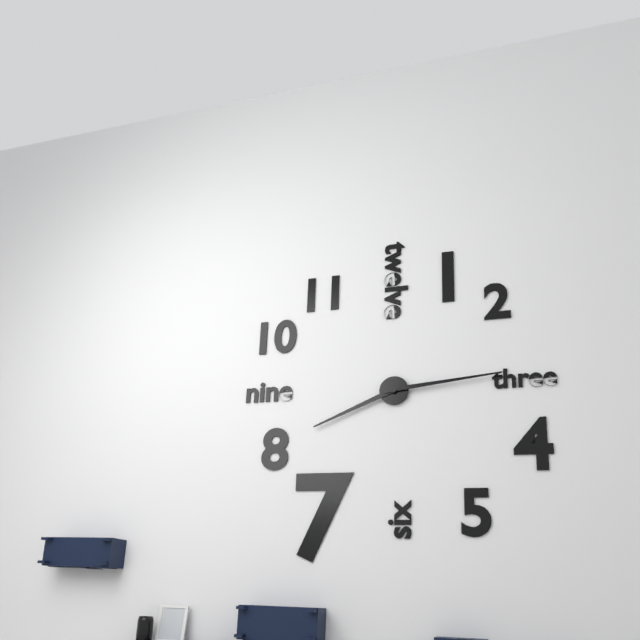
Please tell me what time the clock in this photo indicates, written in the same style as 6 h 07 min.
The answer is 8 h 14 min
